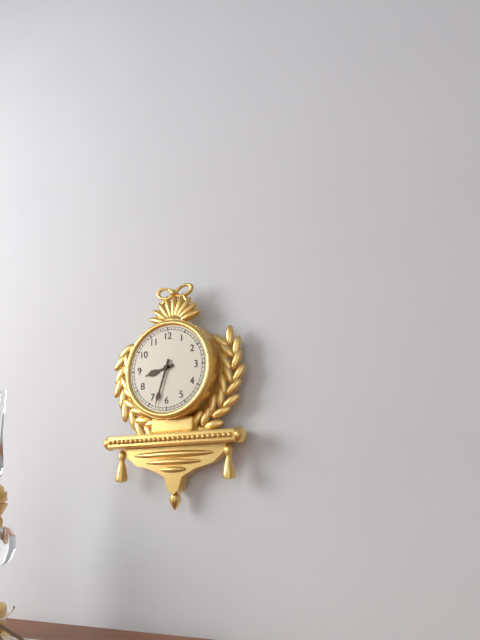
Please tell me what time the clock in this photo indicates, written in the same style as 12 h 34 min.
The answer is 8 h 33 min
